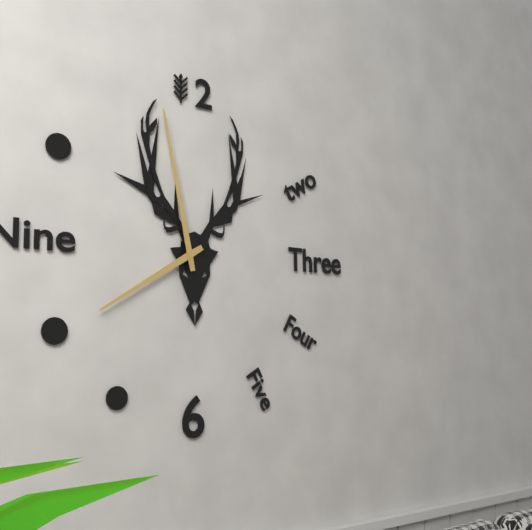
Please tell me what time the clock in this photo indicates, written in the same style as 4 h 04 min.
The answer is 7 h 58 min
